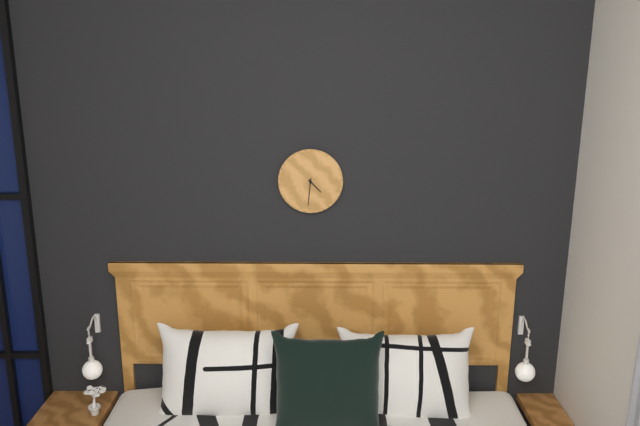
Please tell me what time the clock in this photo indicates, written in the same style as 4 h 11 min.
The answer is 4 h 31 min
